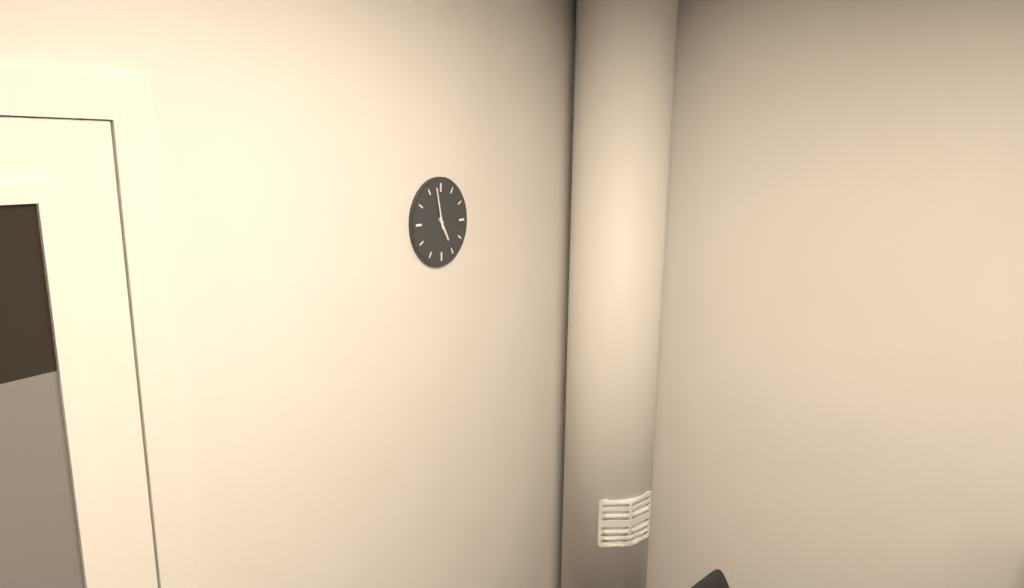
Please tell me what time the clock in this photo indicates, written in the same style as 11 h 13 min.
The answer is 4 h 58 min
